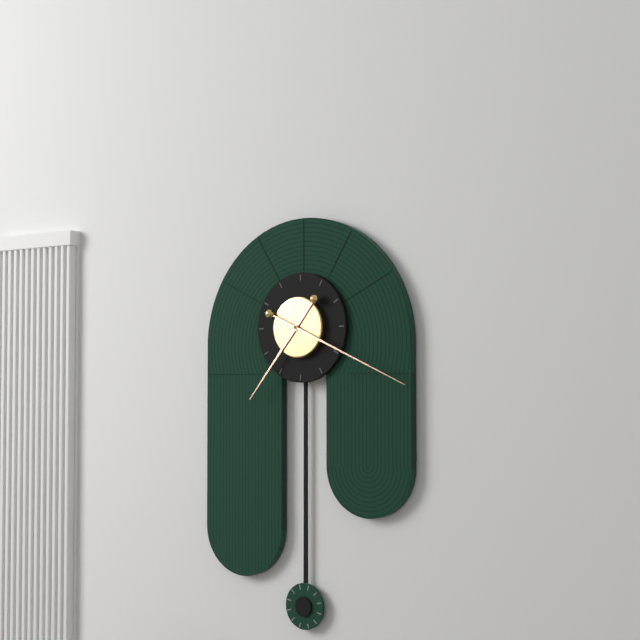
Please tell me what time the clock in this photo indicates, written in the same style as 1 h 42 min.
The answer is 7 h 19 min
